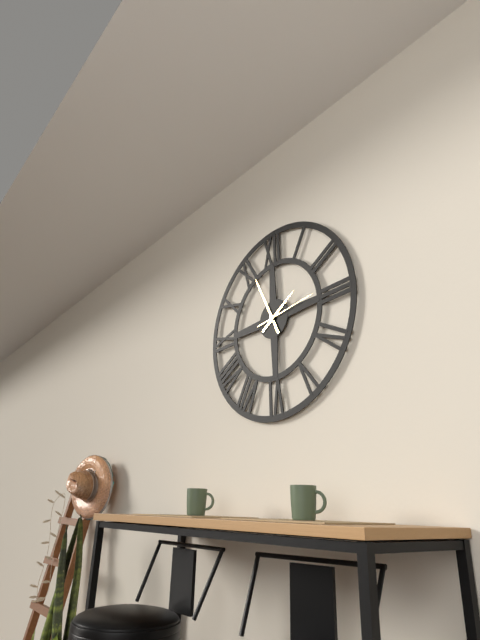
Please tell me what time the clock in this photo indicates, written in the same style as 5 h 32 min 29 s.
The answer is 1 h 56 min 14 s
